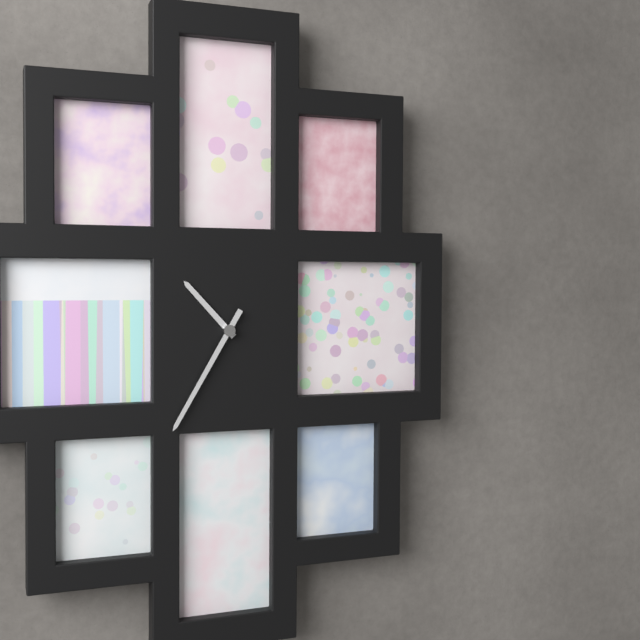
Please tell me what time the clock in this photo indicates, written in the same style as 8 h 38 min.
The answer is 10 h 35 min
